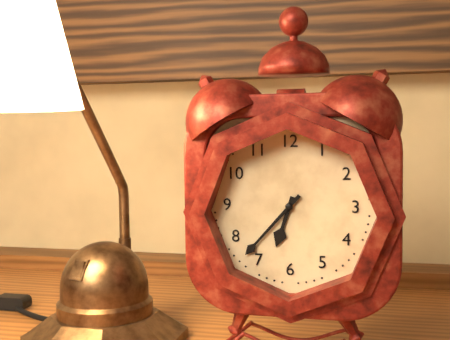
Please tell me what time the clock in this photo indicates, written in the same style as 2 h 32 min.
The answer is 6 h 37 min
